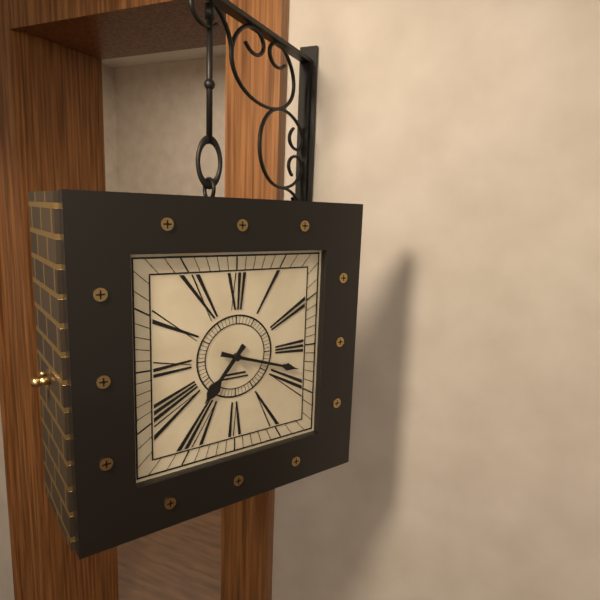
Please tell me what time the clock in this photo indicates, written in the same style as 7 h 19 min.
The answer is 7 h 18 min
